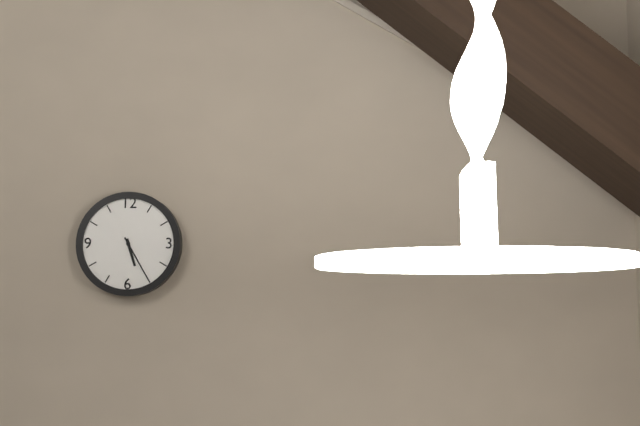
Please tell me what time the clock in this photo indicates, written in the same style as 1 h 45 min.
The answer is 5 h 25 min
